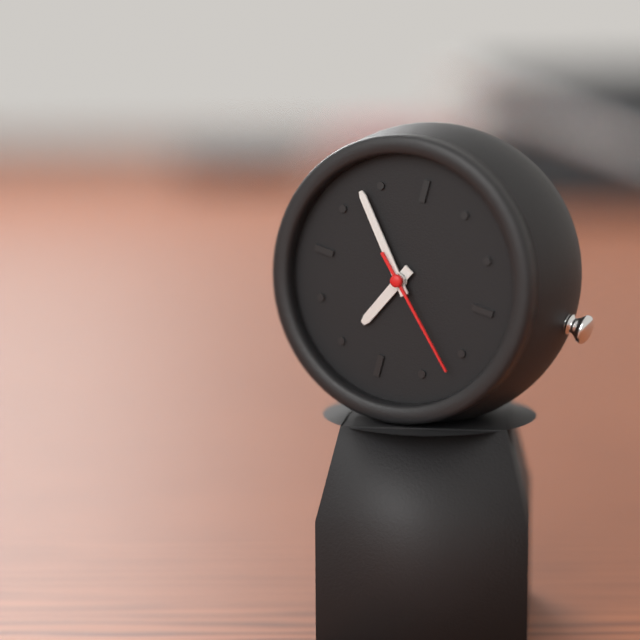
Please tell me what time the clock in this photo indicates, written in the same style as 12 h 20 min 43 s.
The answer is 6 h 53 min 22 s
